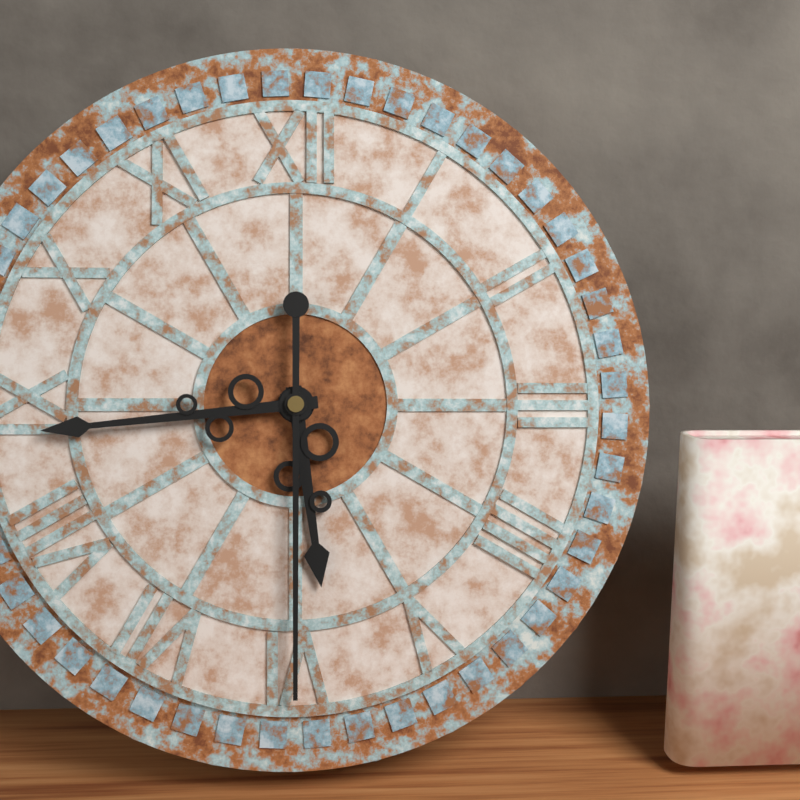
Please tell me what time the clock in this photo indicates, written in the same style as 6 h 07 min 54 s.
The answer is 5 h 44 min 30 s
